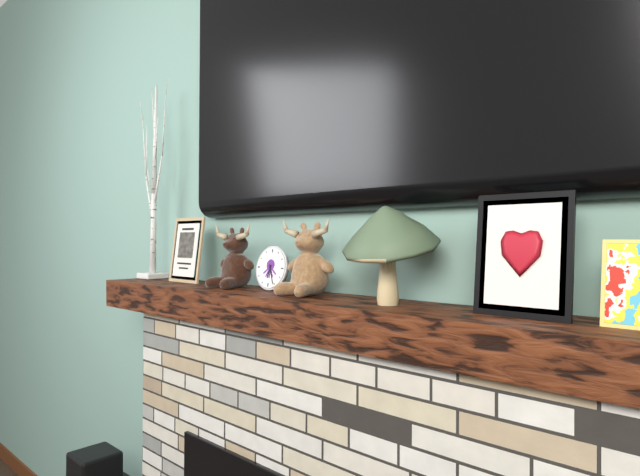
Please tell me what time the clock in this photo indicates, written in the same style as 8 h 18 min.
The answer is 6 h 26 min
